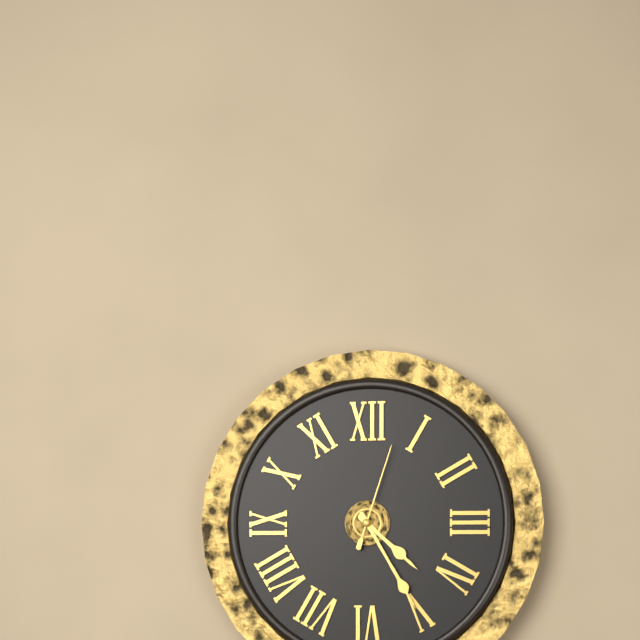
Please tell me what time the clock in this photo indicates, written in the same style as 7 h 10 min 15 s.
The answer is 4 h 25 min 03 s
